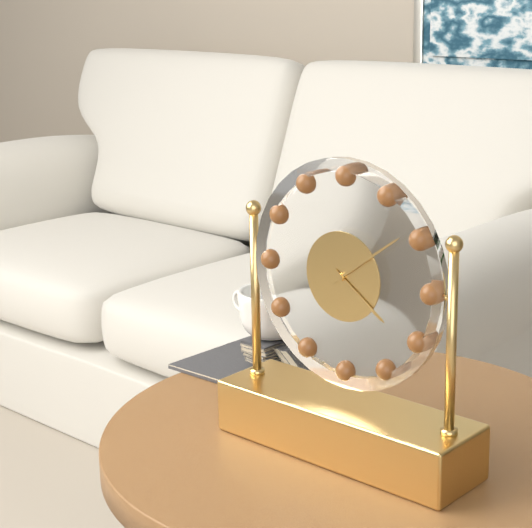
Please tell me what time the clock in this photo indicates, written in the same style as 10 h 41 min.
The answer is 4 h 09 min
